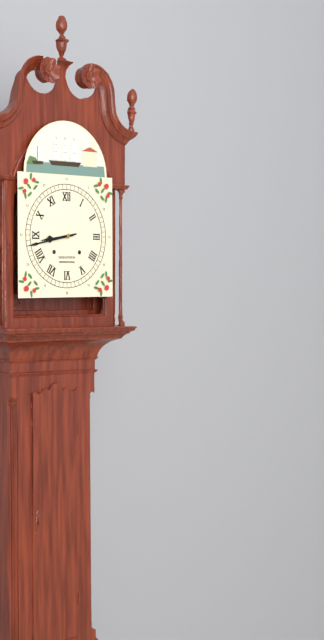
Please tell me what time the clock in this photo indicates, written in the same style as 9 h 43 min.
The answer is 8 h 43 min
